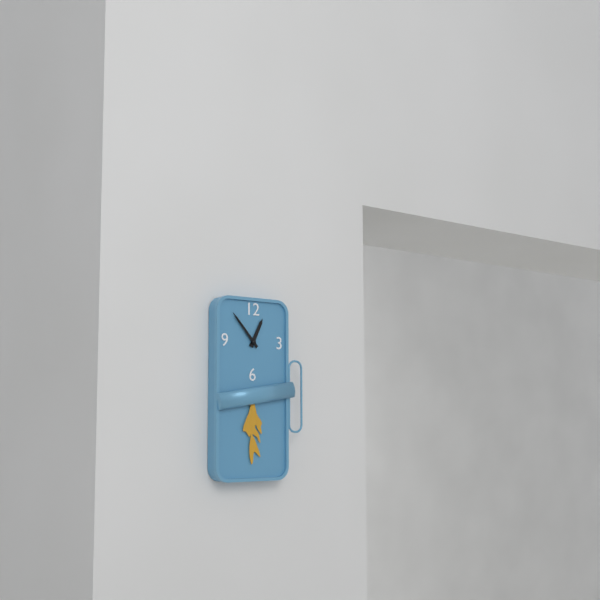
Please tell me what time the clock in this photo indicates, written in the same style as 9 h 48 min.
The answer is 12 h 53 min
